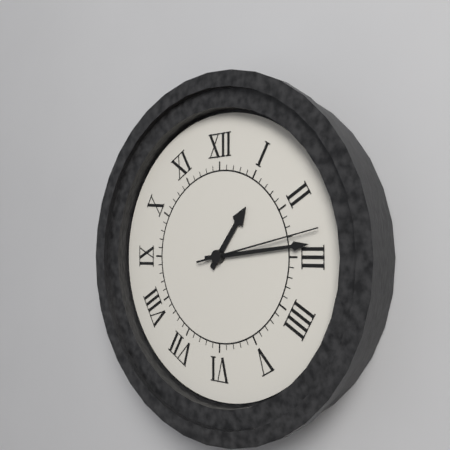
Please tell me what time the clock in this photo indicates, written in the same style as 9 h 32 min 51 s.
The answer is 1 h 14 min 13 s
